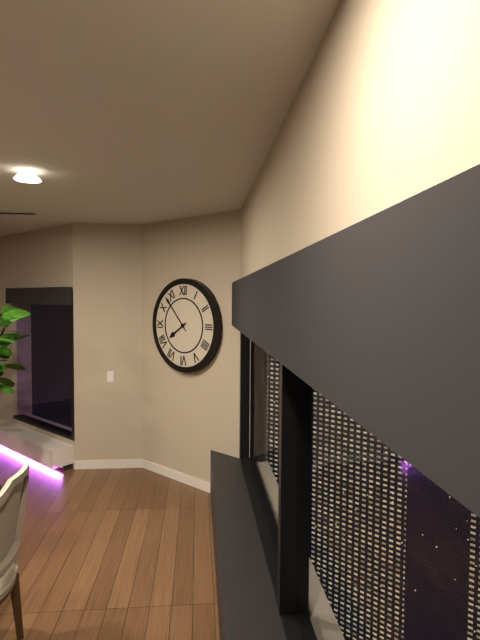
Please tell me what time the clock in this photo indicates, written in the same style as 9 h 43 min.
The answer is 7 h 53 min
